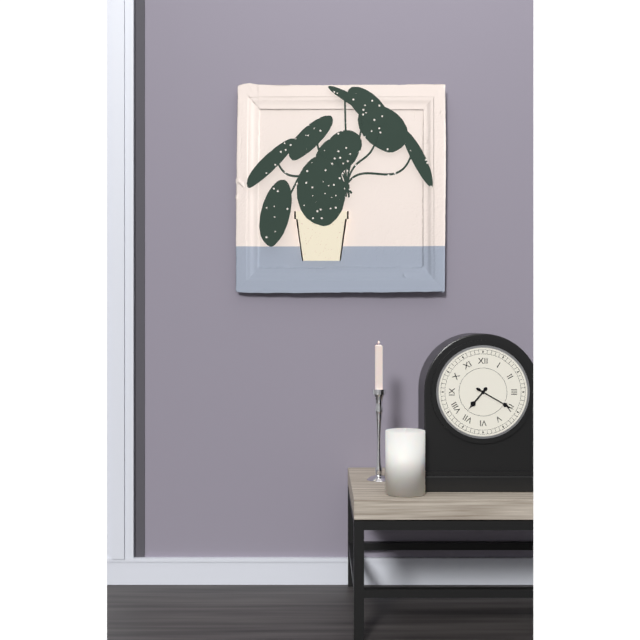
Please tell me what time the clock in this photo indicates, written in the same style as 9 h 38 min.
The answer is 7 h 20 min
